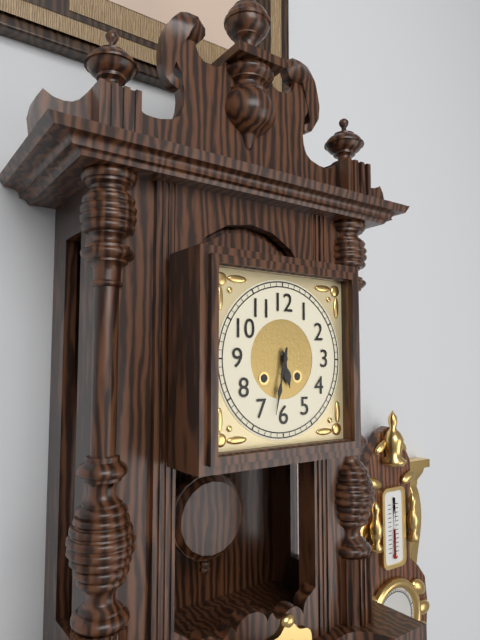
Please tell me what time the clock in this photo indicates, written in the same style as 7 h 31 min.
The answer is 5 h 32 min
